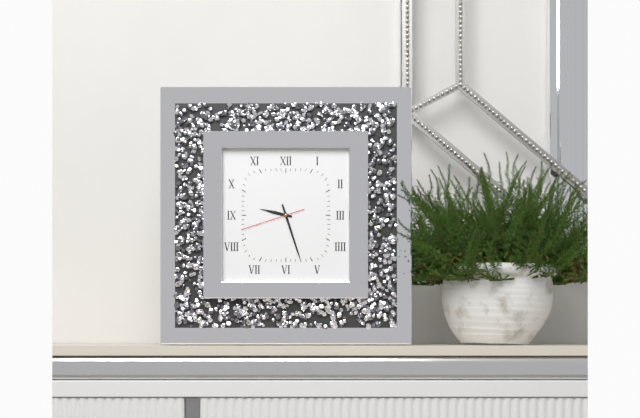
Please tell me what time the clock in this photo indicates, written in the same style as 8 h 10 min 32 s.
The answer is 9 h 27 min 42 s
